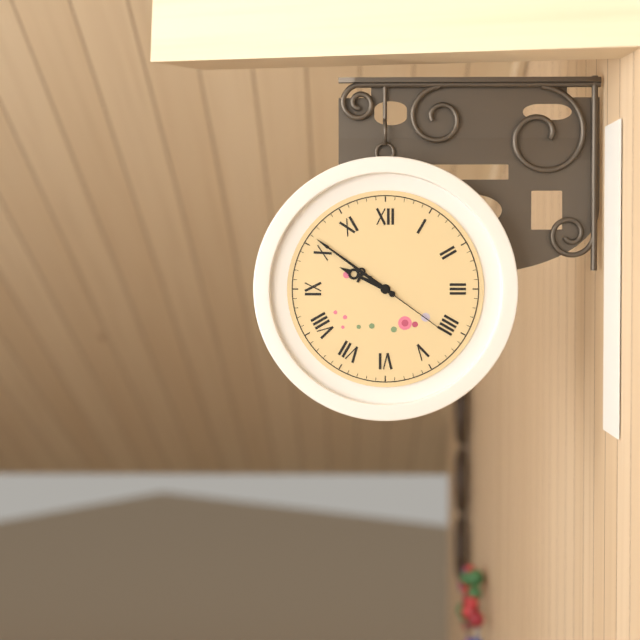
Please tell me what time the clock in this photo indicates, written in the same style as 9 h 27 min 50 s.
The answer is 9 h 51 min 21 s
